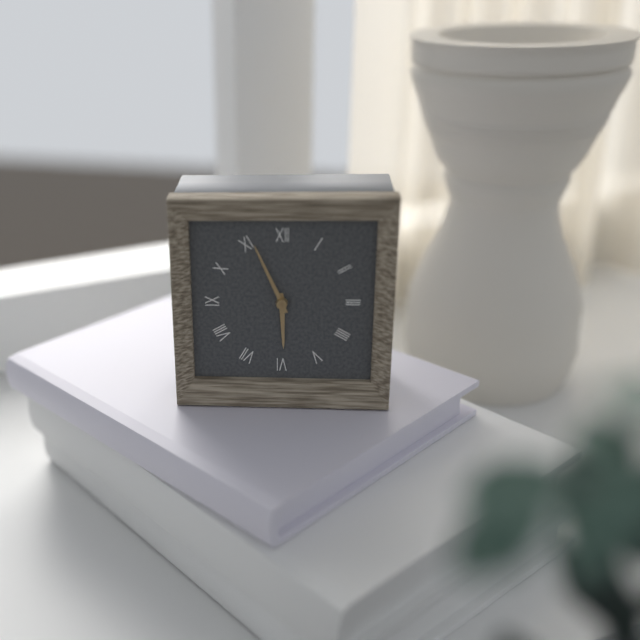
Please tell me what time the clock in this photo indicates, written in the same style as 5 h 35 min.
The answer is 5 h 56 min
